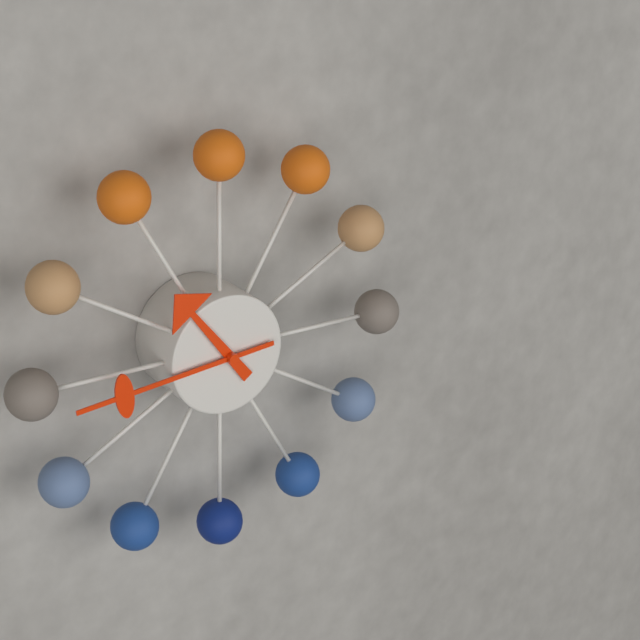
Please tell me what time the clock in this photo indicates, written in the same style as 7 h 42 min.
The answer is 10 h 44 min
